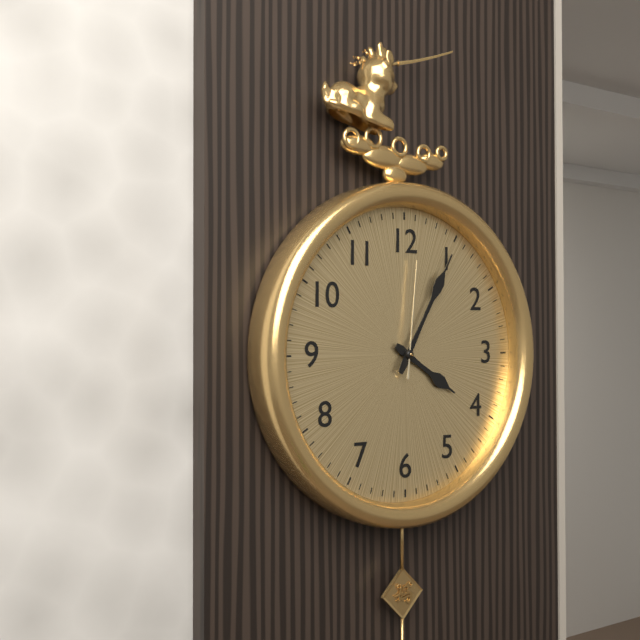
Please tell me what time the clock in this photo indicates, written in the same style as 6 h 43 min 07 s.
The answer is 4 h 05 min 01 s
